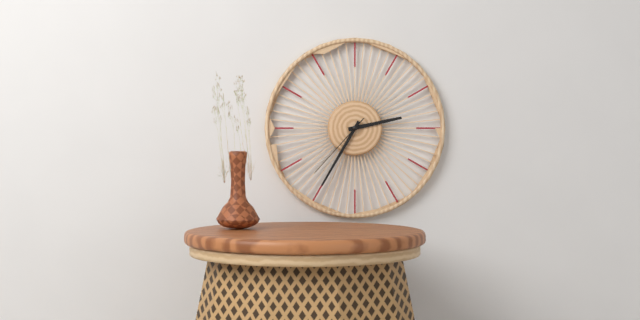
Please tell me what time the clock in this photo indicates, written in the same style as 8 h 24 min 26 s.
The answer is 2 h 35 min 37 s
